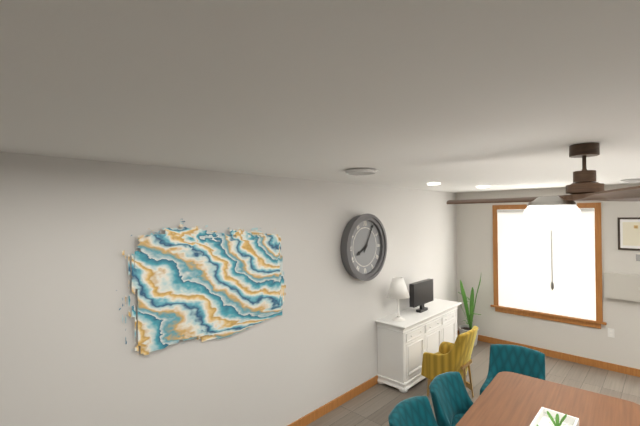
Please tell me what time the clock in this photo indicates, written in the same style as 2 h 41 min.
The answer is 8 h 05 min
